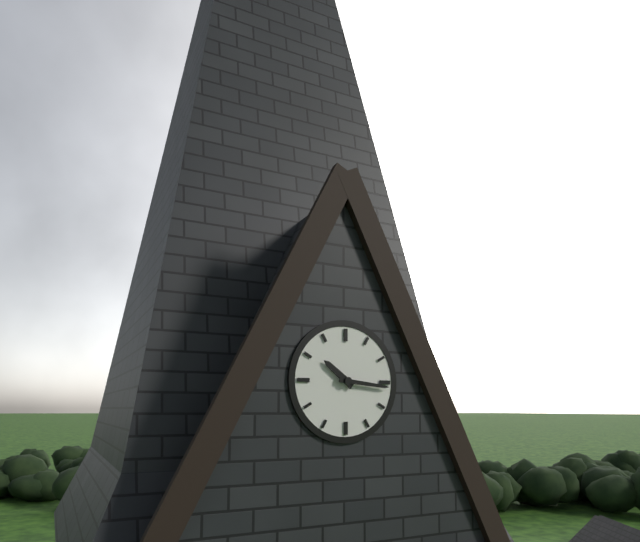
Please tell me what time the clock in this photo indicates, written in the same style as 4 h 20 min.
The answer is 10 h 16 min
